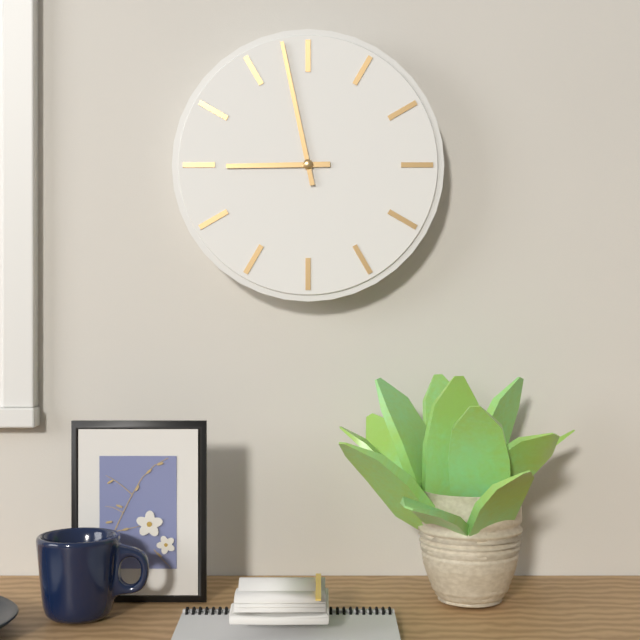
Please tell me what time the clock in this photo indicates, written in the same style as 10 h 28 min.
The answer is 8 h 58 min
